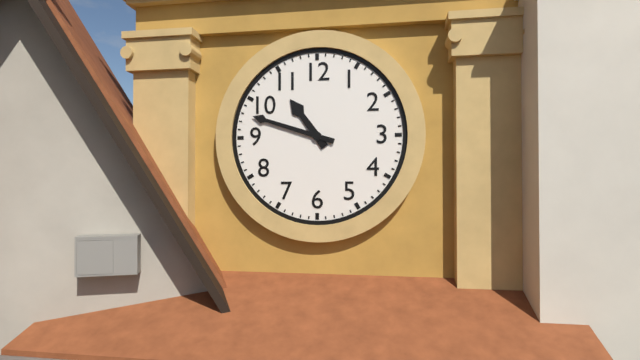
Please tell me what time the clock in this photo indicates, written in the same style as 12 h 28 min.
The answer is 10 h 48 min
